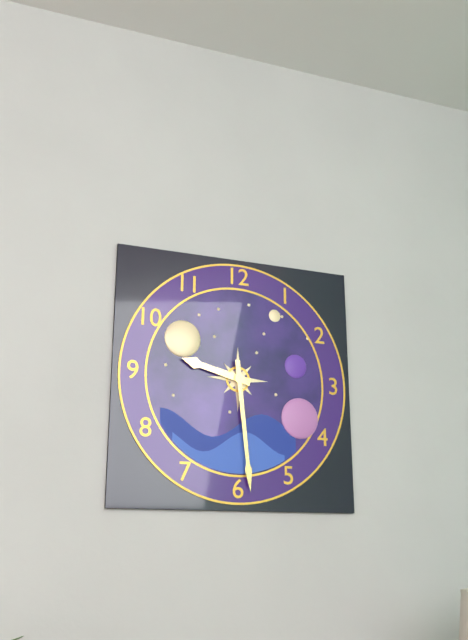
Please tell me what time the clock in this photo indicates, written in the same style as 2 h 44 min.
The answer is 9 h 29 min
